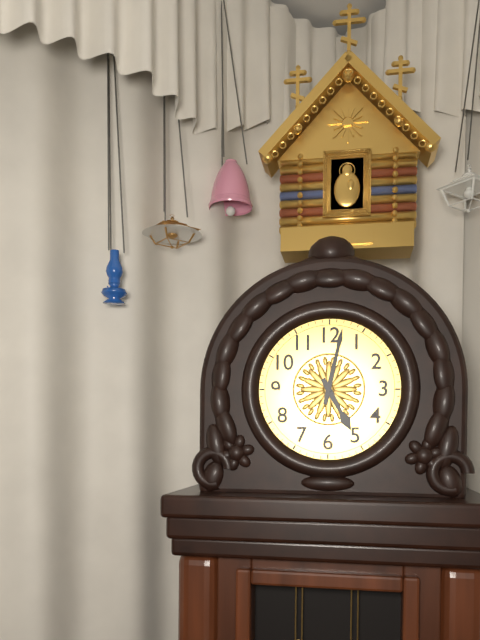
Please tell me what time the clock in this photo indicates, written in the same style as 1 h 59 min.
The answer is 5 h 02 min
